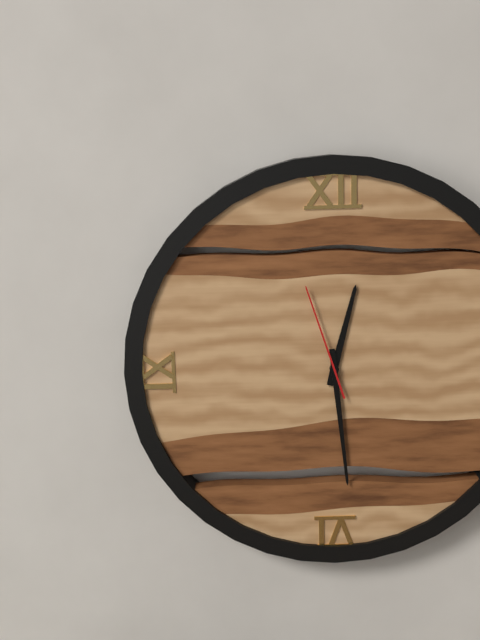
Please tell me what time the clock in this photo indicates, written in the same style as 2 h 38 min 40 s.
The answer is 12 h 29 min 57 s
